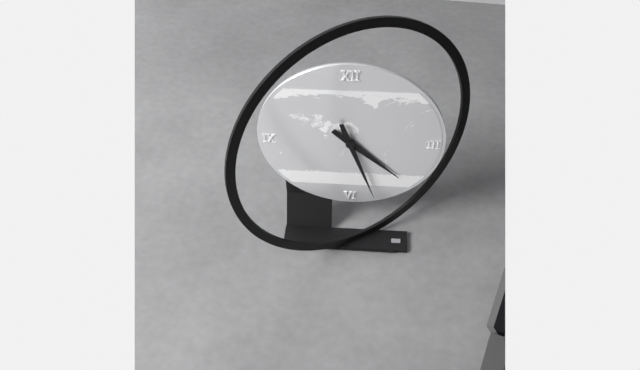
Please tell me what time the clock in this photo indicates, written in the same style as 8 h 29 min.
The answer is 4 h 27 min
